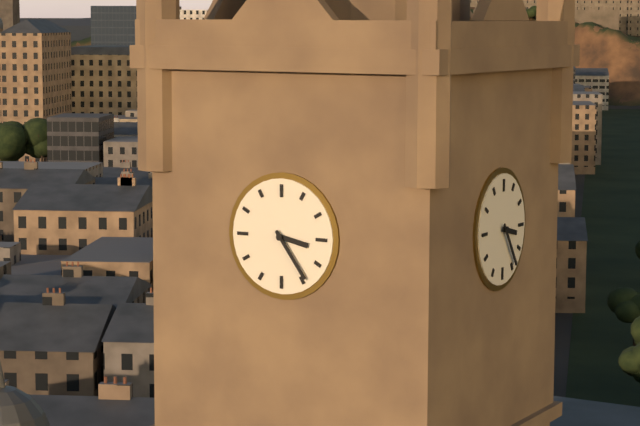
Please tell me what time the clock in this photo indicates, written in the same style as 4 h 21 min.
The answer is 3 h 24 min
